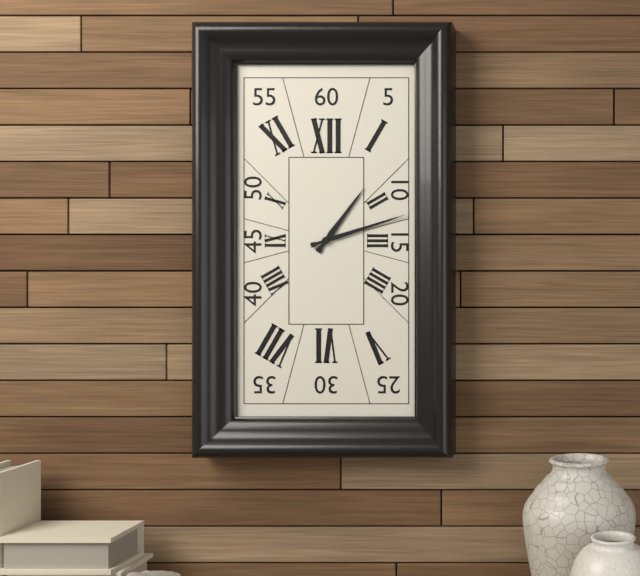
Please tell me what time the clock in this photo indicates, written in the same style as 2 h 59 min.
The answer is 1 h 12 min
